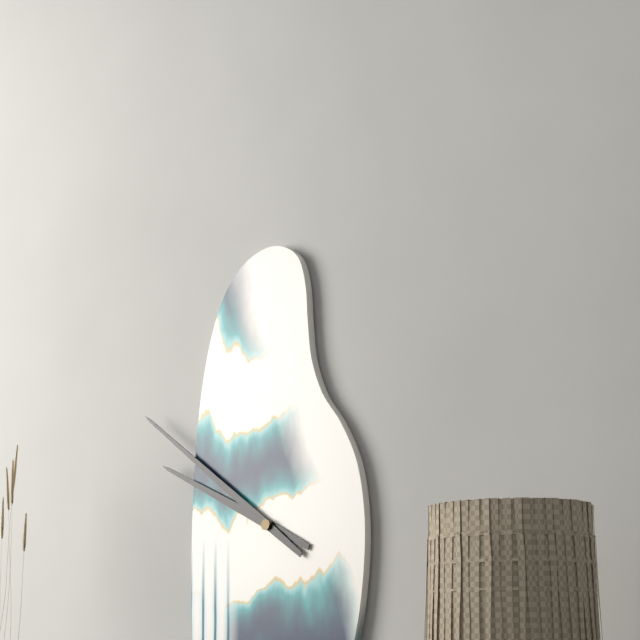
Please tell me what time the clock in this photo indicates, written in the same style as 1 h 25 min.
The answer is 9 h 51 min
